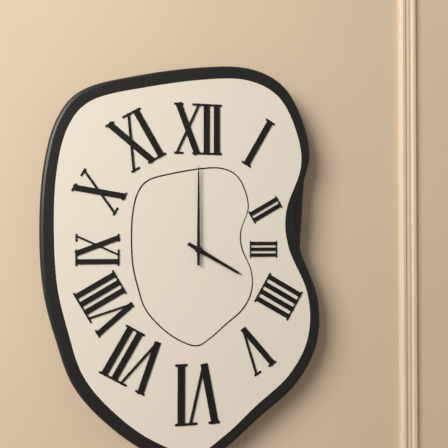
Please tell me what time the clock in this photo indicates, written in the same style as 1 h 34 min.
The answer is 4 h 00 min
